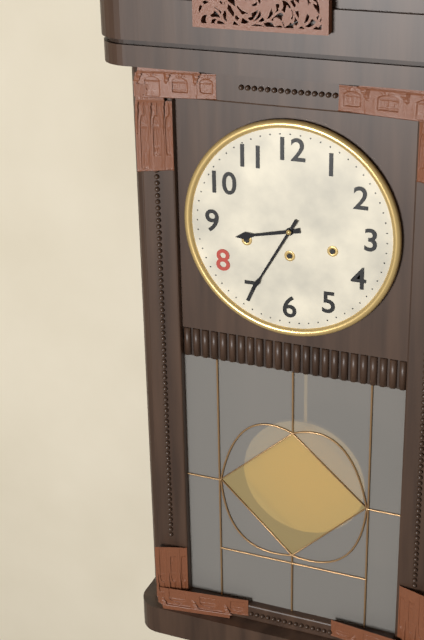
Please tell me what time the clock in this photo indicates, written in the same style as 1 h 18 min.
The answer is 8 h 35 min
